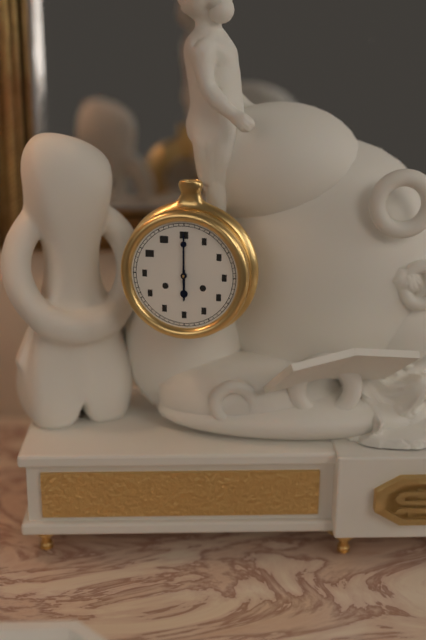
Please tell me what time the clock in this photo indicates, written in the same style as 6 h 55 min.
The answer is 6 h 00 min
